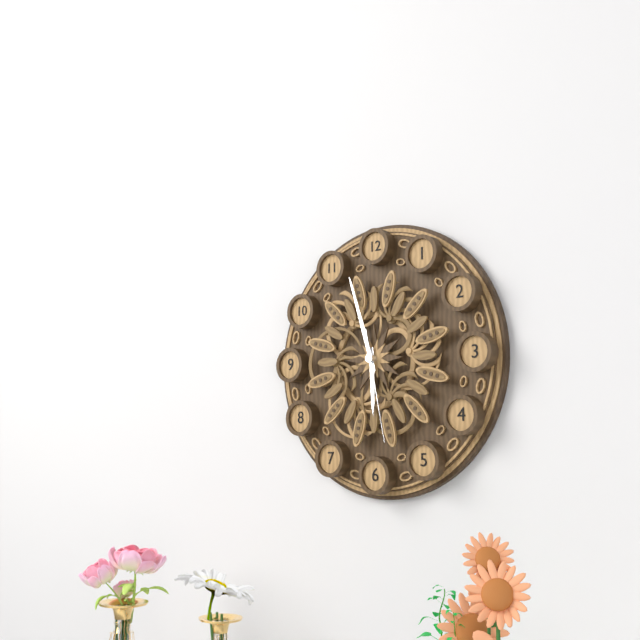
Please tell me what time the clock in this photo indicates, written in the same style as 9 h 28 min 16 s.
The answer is 5 h 57 min 28 s
